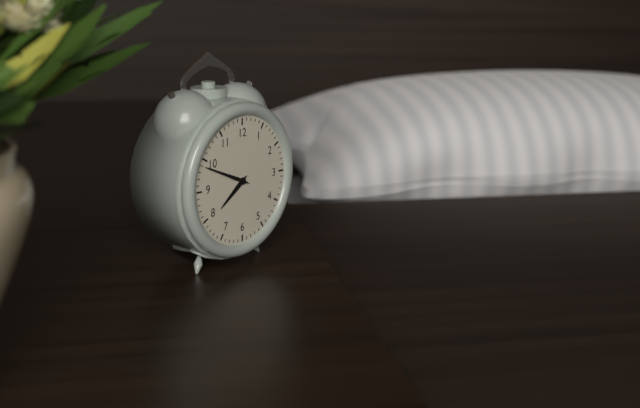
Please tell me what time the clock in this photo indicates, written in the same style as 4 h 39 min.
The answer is 7 h 49 min
